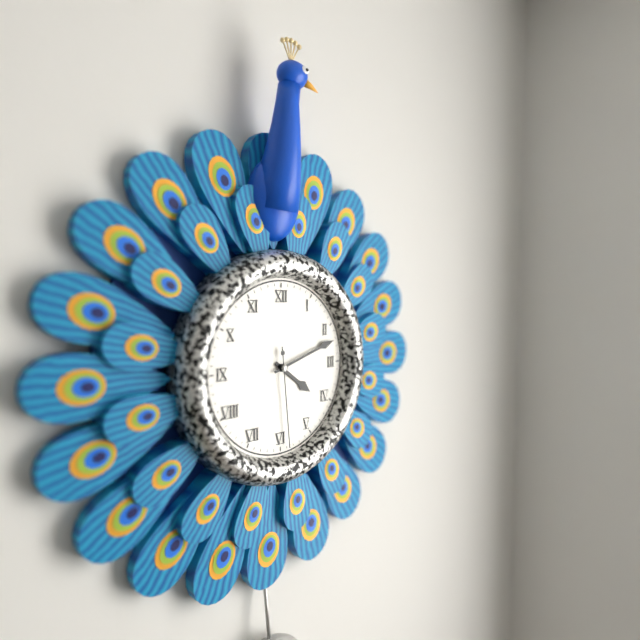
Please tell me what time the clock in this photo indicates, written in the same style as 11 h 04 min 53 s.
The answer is 4 h 12 min 29 s
